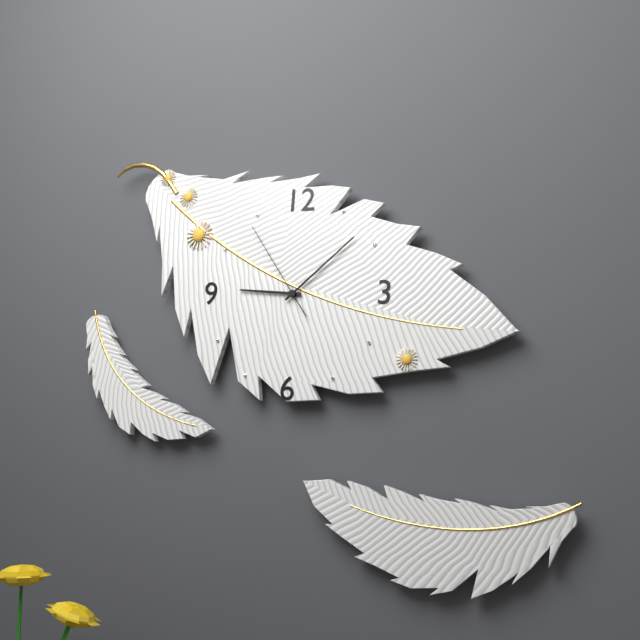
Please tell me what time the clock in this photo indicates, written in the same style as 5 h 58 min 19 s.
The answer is 9 h 08 min 54 s
